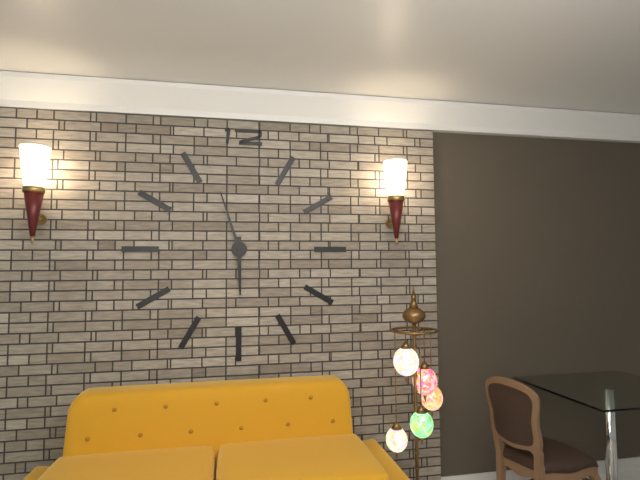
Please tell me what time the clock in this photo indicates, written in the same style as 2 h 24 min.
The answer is 5 h 57 min
